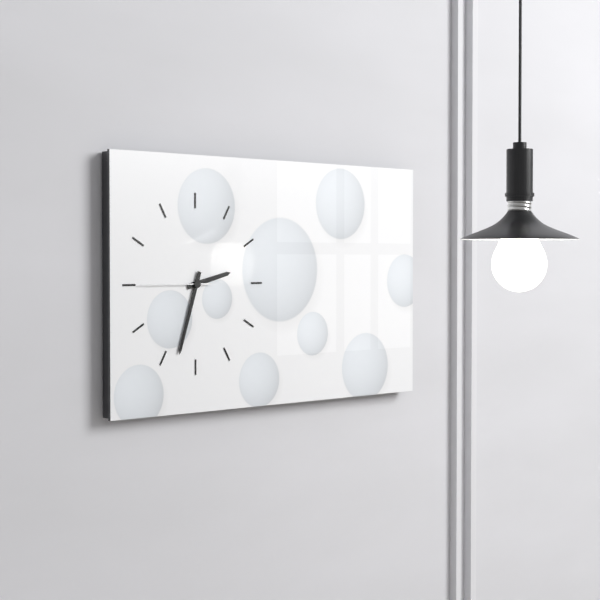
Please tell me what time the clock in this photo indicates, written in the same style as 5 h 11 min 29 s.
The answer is 2 h 33 min 45 s
